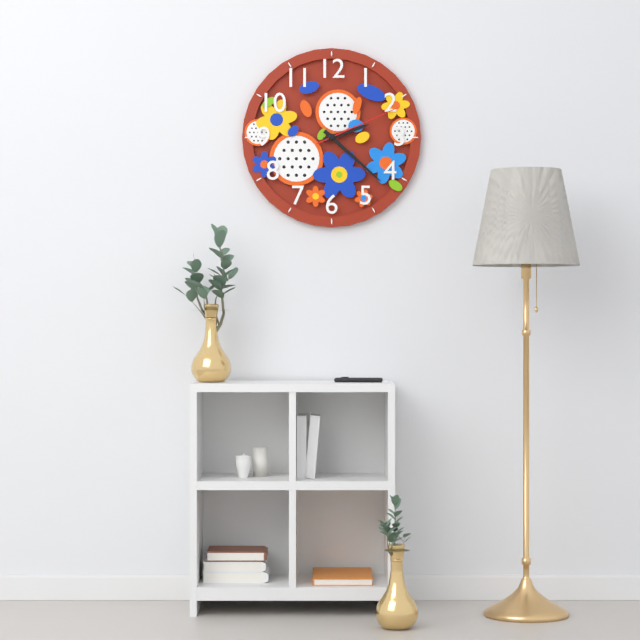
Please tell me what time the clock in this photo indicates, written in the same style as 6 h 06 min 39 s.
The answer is 2 h 22 min 11 s
